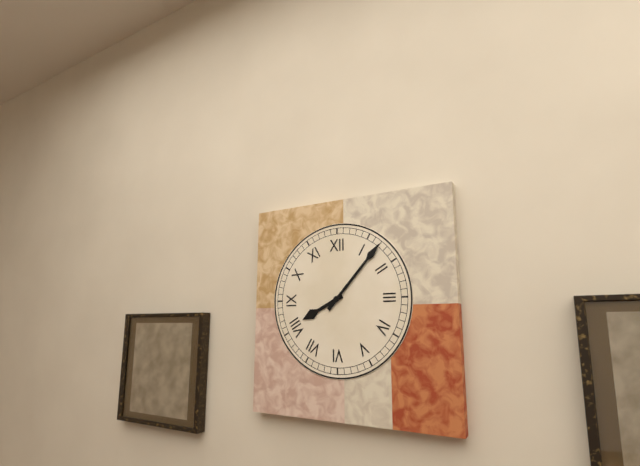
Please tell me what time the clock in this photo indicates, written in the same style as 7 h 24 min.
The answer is 8 h 07 min
